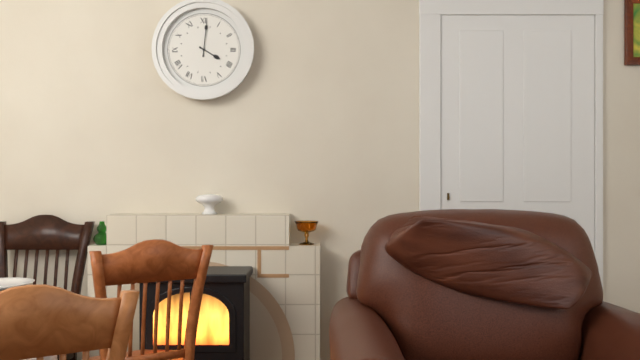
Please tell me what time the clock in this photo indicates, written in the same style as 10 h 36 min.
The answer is 4 h 01 min
